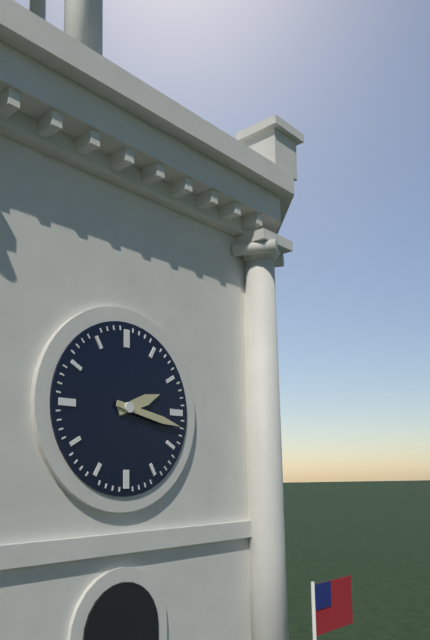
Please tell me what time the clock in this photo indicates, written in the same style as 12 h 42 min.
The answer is 2 h 17 min
